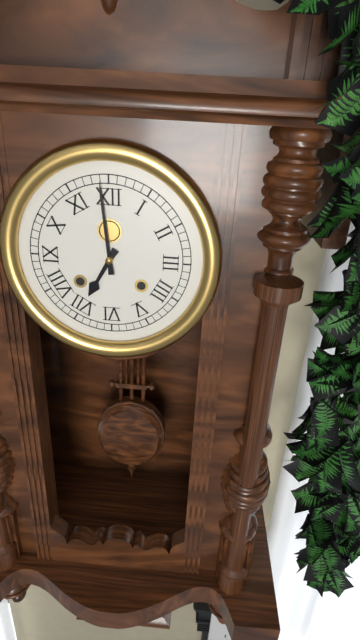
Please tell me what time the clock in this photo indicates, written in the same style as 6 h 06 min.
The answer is 6 h 59 min
